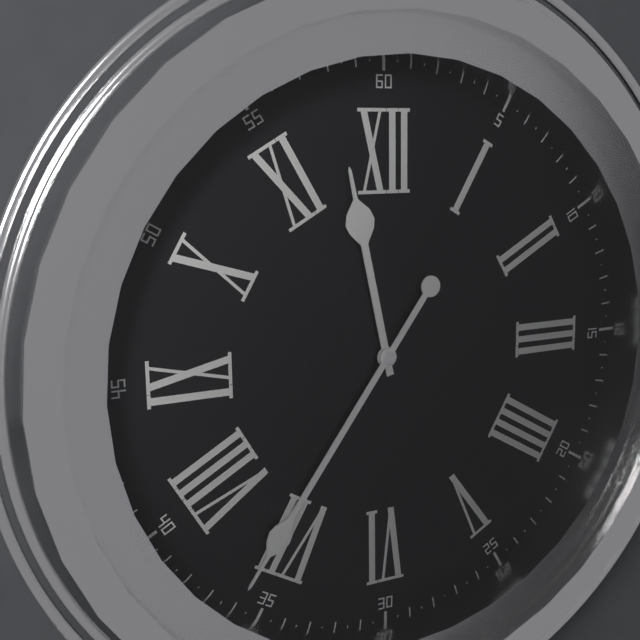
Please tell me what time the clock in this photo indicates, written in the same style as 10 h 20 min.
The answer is 11 h 36 min
